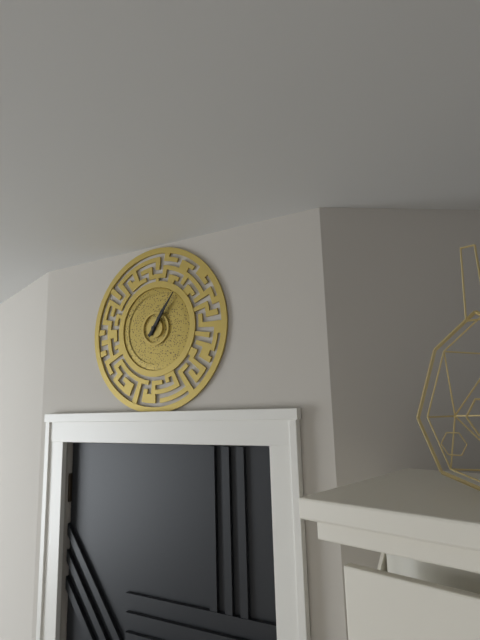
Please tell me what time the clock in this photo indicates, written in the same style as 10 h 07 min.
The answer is 1 h 06 min
